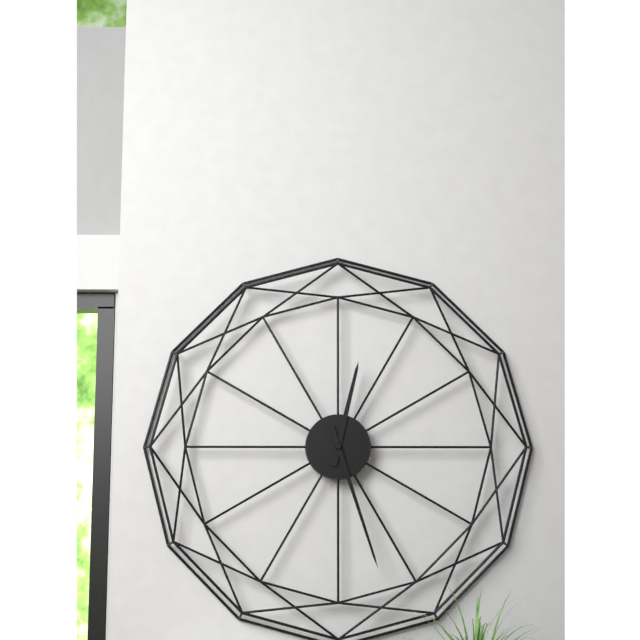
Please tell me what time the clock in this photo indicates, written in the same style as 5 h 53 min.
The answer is 12 h 27 min
